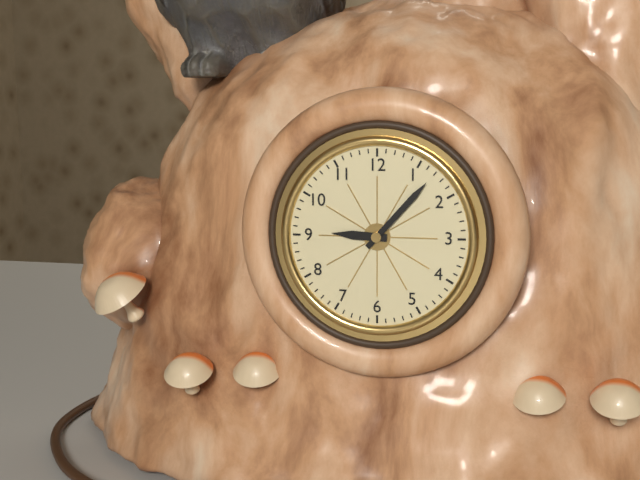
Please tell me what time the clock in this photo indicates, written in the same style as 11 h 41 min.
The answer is 9 h 07 min
